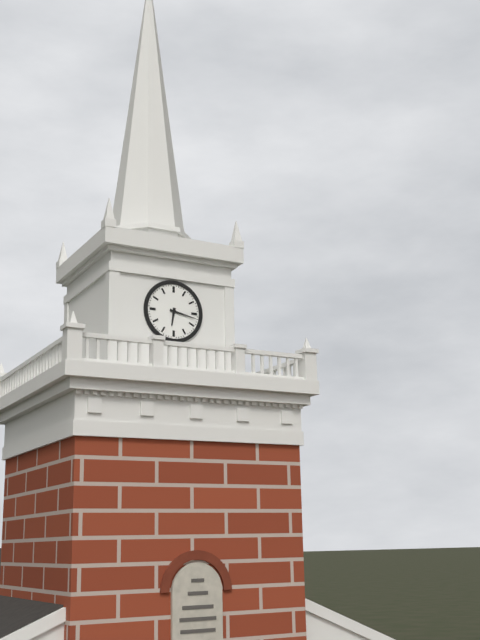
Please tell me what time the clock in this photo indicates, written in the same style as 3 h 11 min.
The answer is 6 h 17 min
